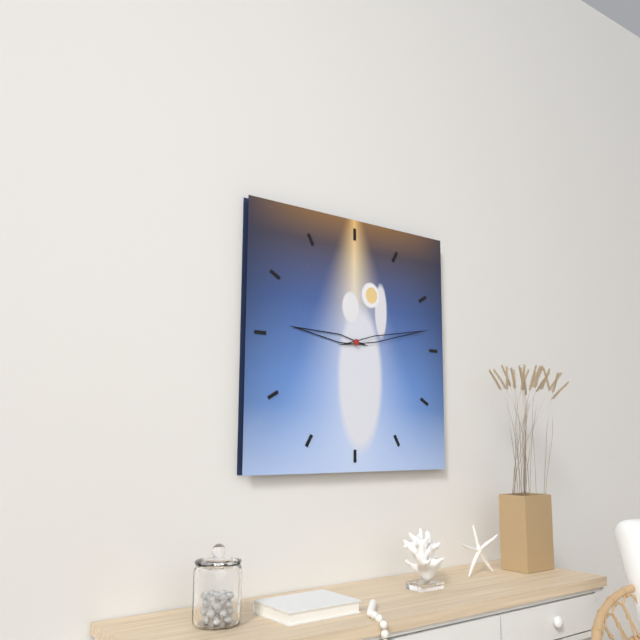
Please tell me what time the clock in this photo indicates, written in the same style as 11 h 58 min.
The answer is 9 h 13 min
